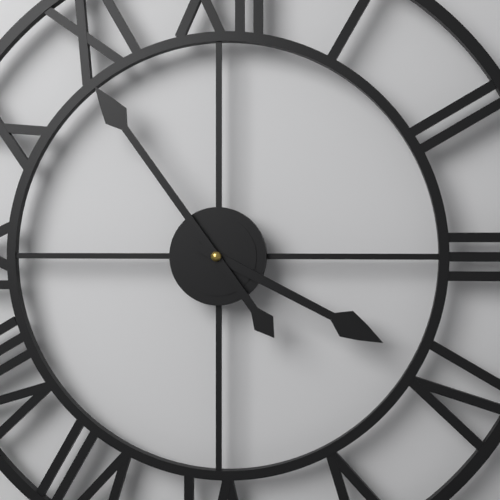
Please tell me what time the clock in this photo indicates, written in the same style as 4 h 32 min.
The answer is 3 h 54 min
